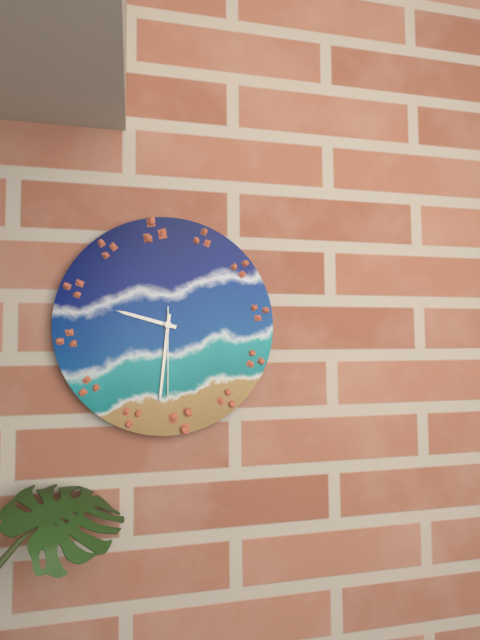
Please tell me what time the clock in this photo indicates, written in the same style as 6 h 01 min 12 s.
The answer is 9 h 31 min 30 s
